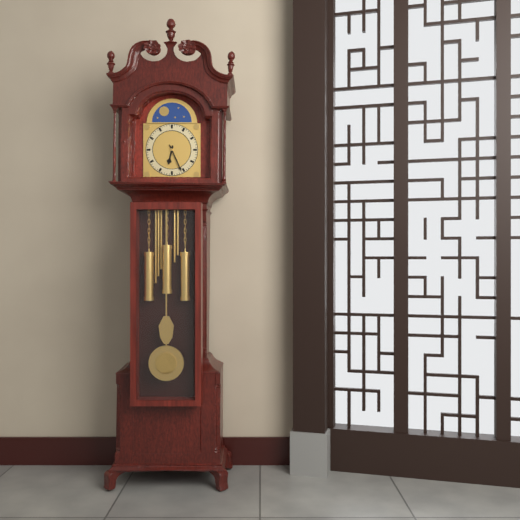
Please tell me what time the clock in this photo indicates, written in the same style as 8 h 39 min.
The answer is 6 h 26 min
